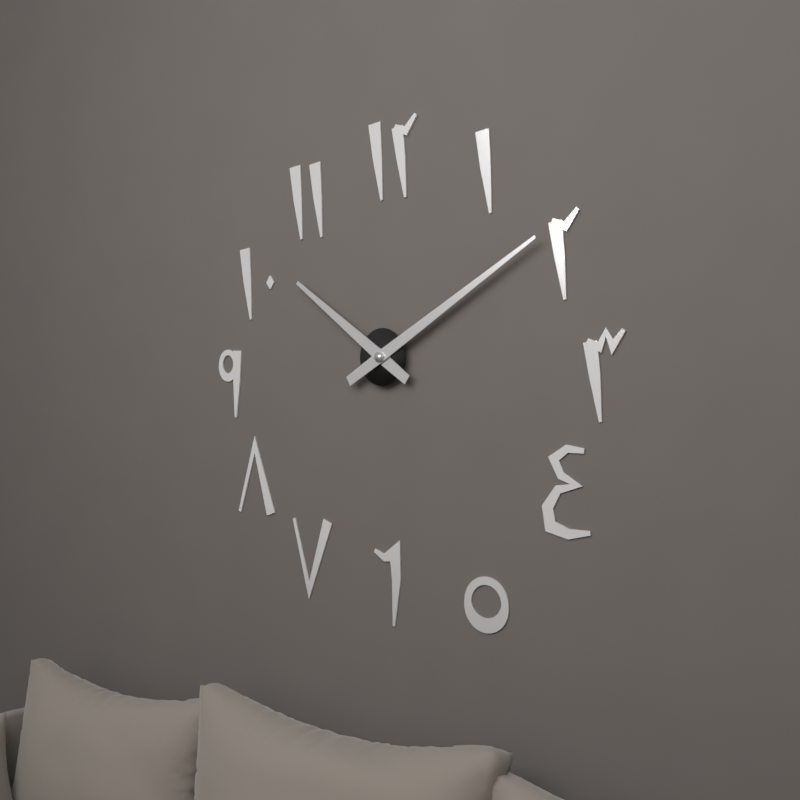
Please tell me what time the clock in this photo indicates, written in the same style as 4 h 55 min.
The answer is 10 h 10 min
